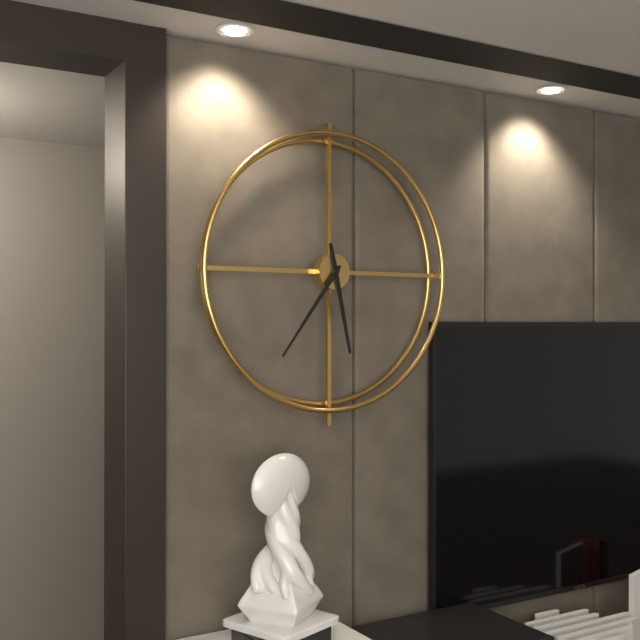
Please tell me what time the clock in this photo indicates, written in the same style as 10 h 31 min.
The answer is 5 h 36 min
